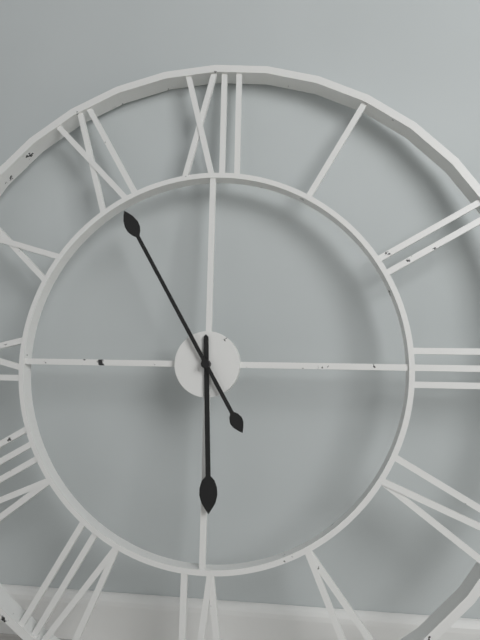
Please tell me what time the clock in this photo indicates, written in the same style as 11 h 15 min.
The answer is 5 h 55 min
